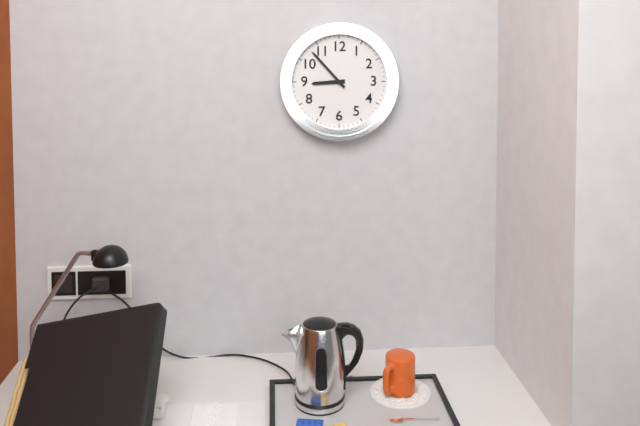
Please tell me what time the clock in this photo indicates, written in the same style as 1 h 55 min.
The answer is 8 h 53 min
